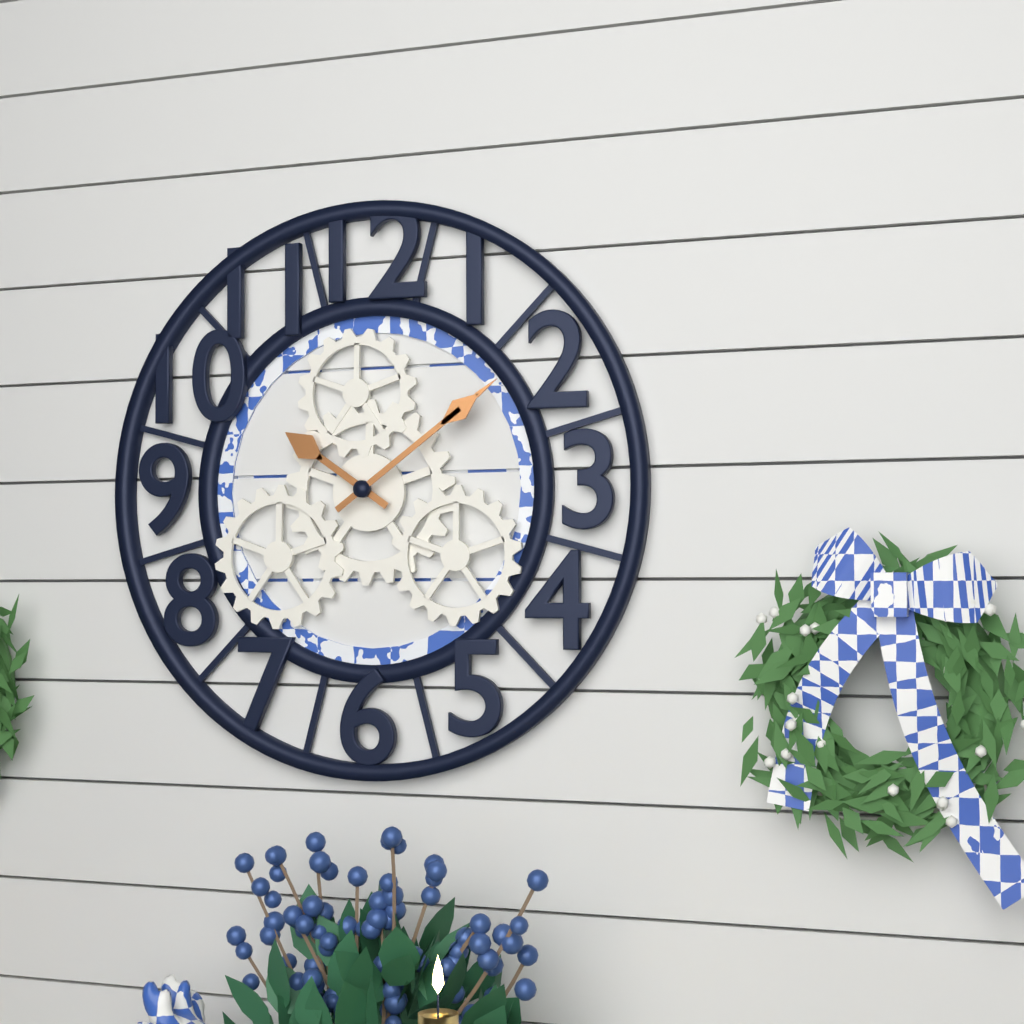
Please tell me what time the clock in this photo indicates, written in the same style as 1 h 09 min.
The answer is 10 h 09 min
